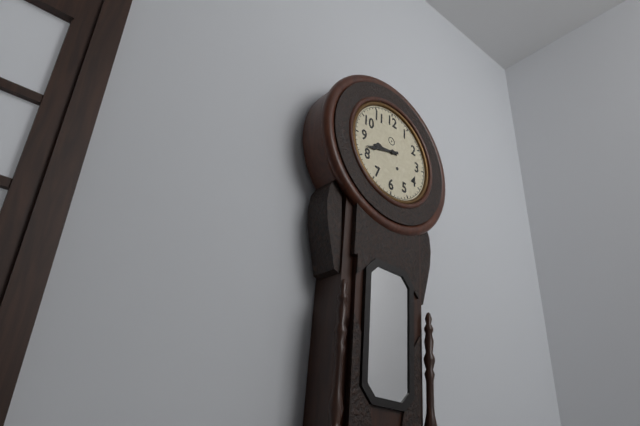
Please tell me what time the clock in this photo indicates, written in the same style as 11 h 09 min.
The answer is 8 h 42 min
